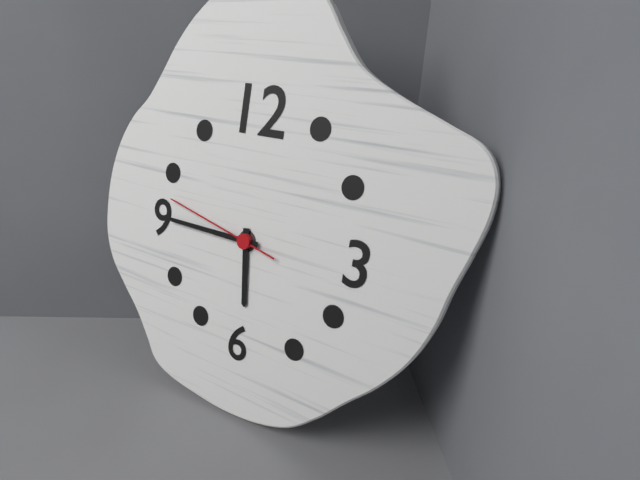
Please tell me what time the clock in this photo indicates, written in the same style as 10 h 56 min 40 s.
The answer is 5 h 45 min 47 s
